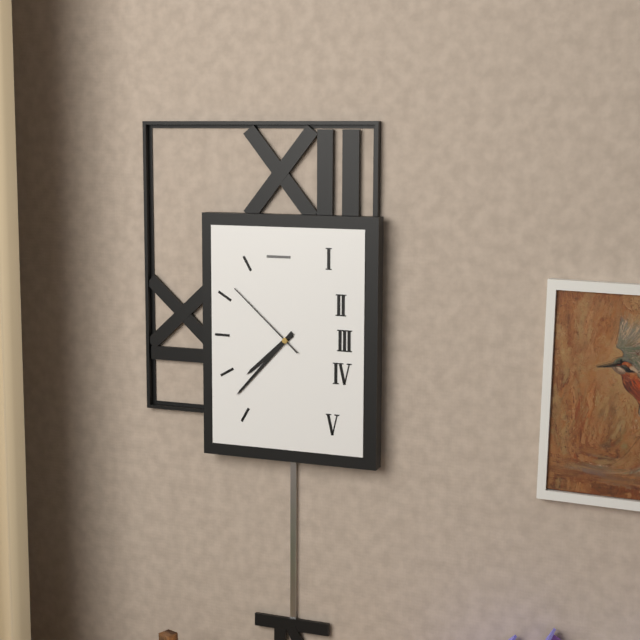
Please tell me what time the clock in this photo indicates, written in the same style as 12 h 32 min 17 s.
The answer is 7 h 37 min 52 s
